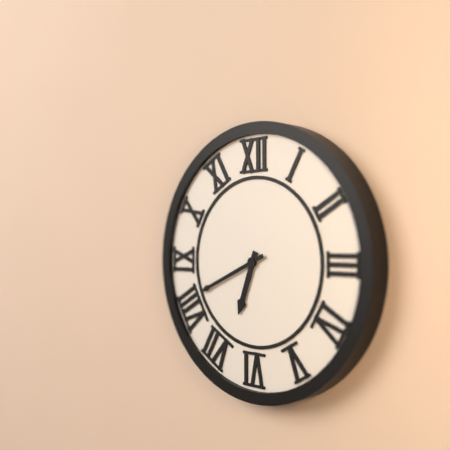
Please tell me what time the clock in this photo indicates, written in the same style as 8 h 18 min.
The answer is 6 h 41 min
